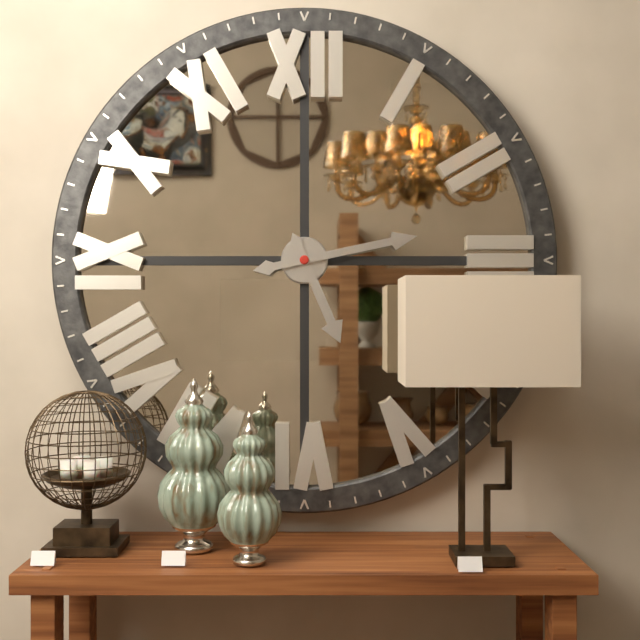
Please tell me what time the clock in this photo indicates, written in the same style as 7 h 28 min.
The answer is 5 h 13 min
